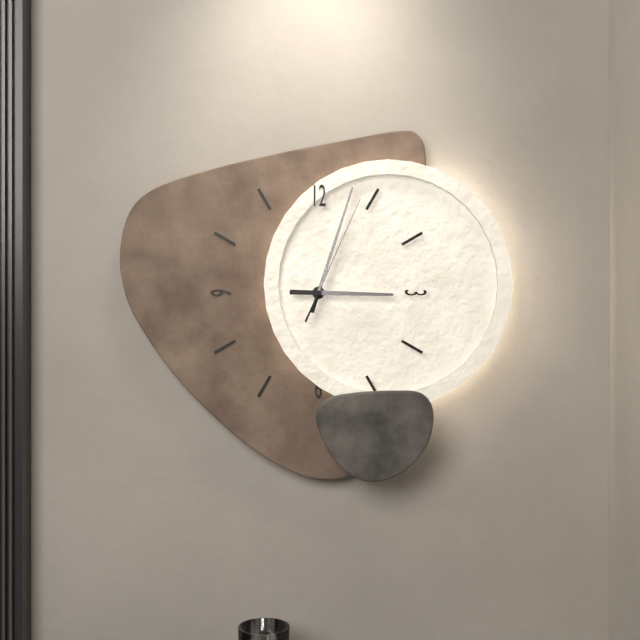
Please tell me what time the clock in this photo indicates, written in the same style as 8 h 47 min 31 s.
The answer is 3 h 03 min 04 s
